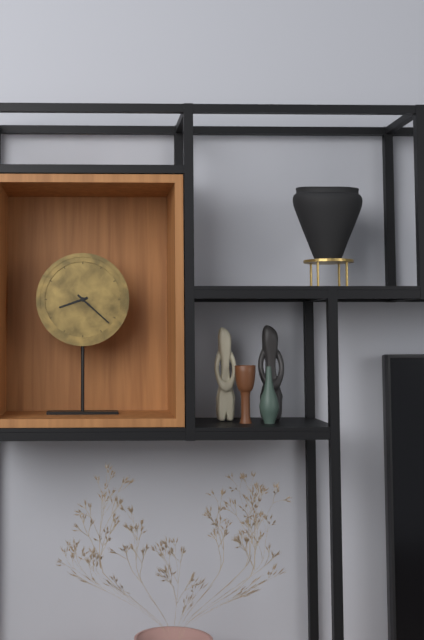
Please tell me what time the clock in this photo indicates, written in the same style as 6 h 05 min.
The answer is 8 h 22 min
